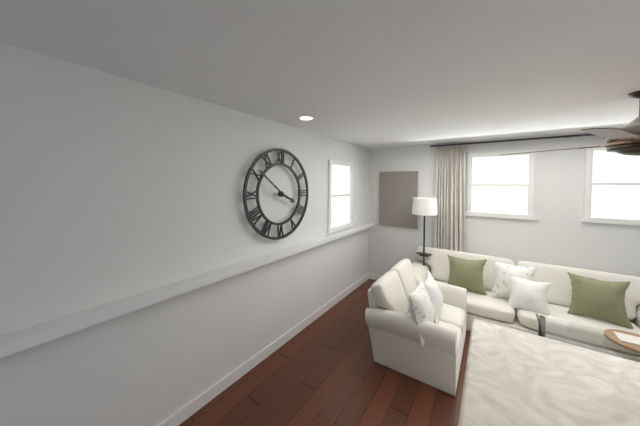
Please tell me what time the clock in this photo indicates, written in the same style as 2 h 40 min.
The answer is 3 h 51 min
